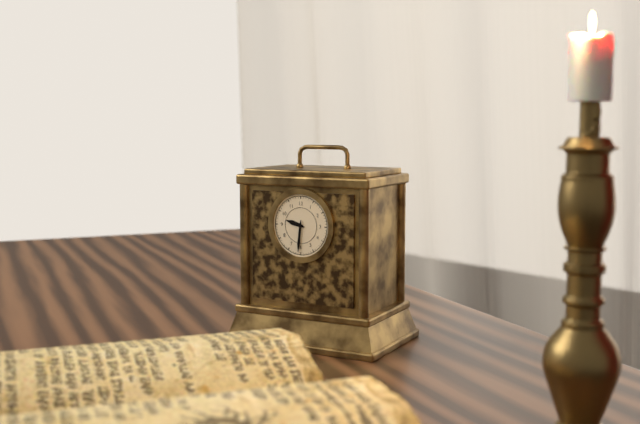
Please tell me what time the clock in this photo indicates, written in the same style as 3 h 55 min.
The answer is 9 h 31 min
